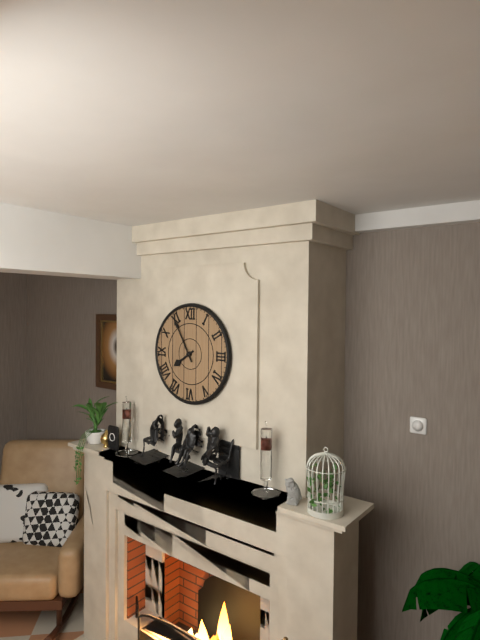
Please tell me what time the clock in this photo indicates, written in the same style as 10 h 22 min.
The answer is 7 h 55 min
